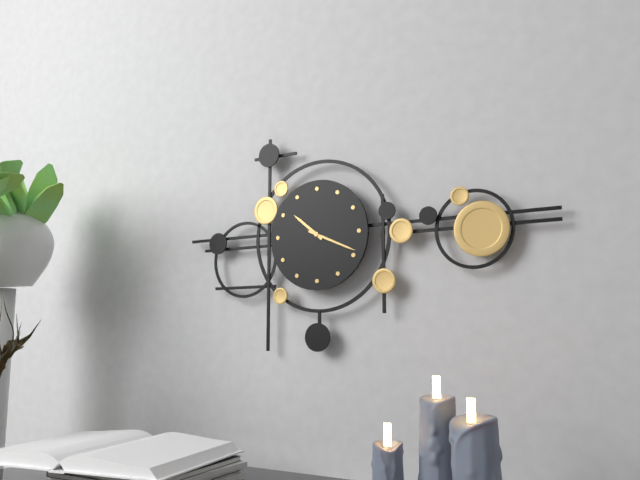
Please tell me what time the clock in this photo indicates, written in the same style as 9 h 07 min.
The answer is 10 h 19 min
